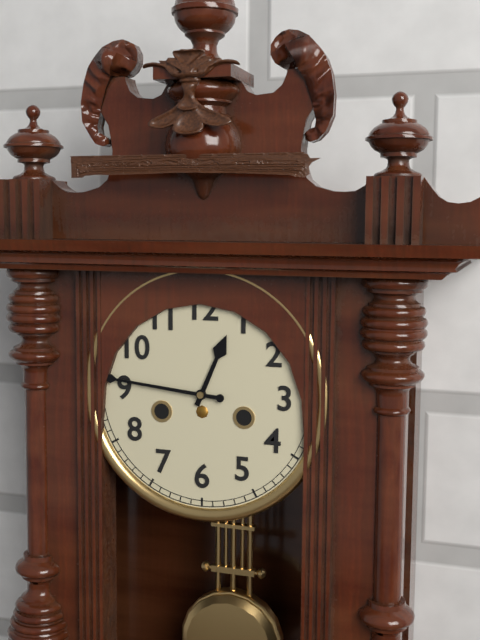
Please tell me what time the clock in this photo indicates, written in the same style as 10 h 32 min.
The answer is 12 h 46 min
